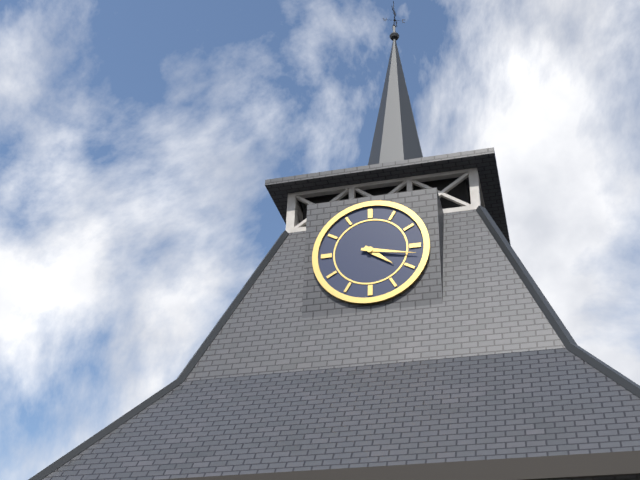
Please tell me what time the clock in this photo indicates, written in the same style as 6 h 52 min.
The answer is 4 h 17 min
